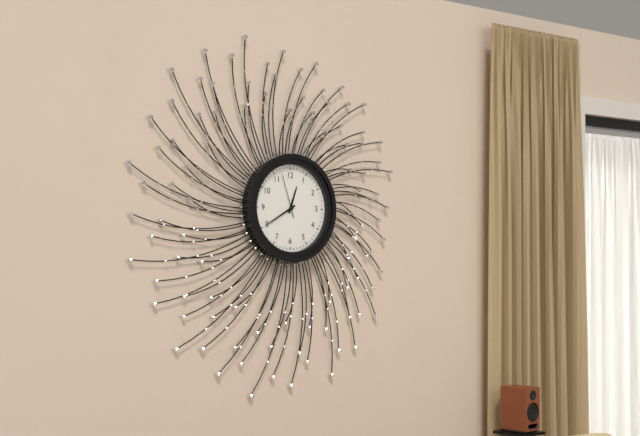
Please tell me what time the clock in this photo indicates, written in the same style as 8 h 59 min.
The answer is 12 h 40 min
